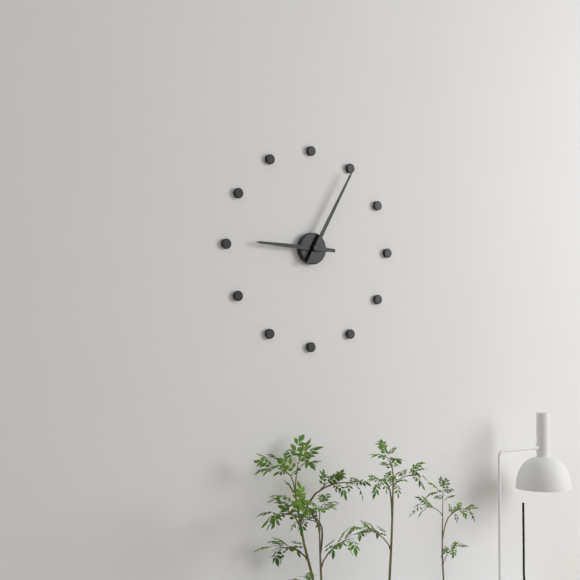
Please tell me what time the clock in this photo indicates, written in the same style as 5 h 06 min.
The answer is 9 h 05 min
